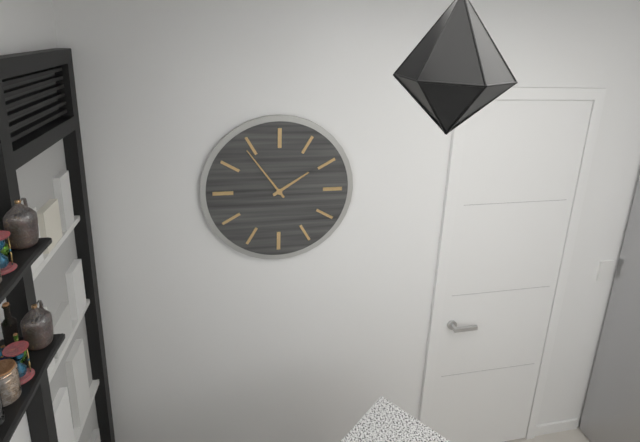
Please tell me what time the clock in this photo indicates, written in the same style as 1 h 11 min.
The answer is 1 h 54 min
